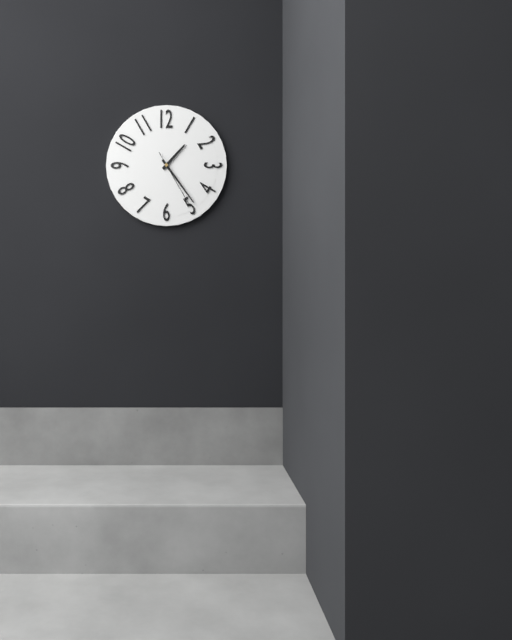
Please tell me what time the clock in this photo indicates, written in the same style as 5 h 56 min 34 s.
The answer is 1 h 24 min 25 s
